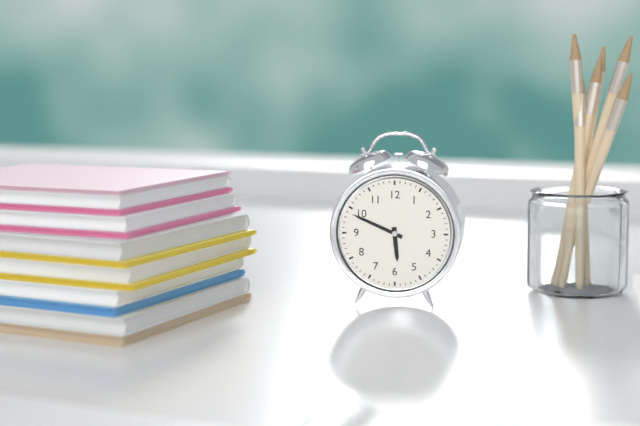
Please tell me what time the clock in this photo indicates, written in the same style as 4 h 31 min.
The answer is 5 h 49 min
